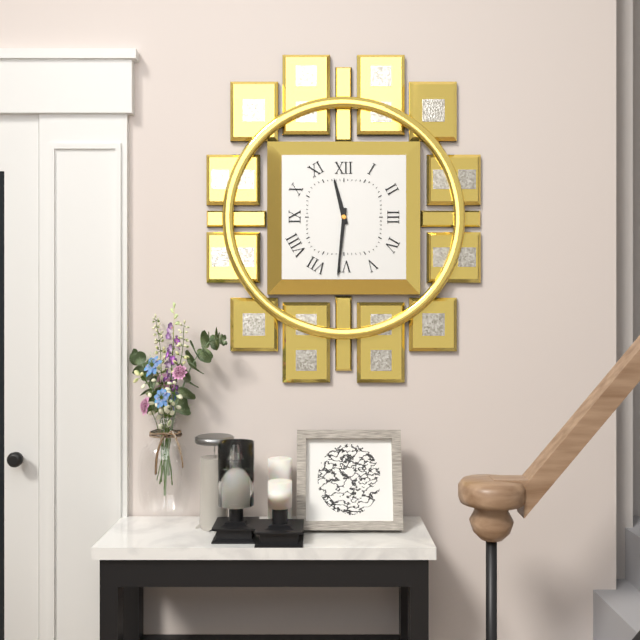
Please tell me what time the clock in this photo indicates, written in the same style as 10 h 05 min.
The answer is 11 h 31 min
